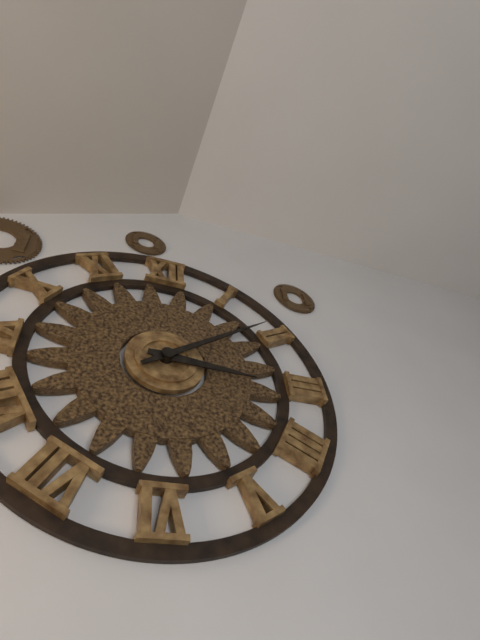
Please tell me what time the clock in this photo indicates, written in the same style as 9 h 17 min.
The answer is 3 h 09 min
